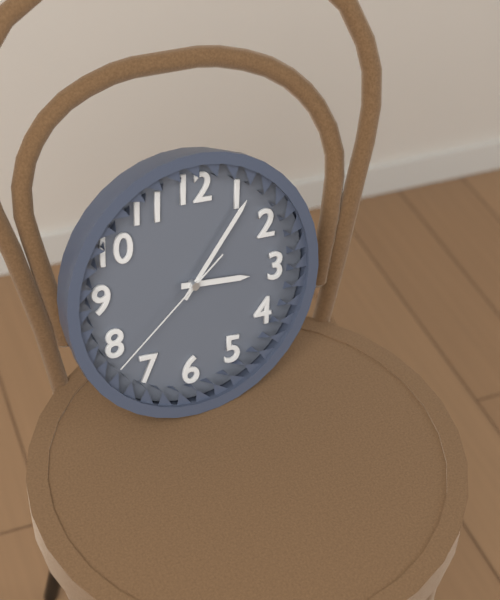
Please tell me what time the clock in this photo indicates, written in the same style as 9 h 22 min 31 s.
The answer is 3 h 06 min 38 s
